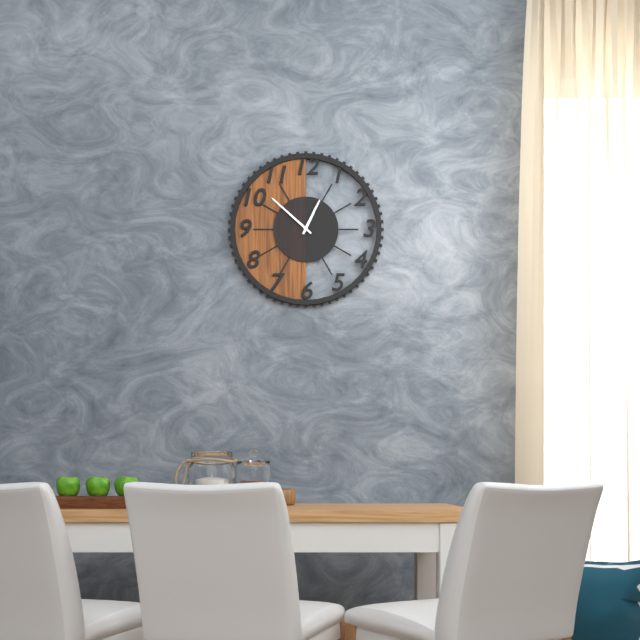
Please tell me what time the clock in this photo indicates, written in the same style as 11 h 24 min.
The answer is 12 h 52 min
